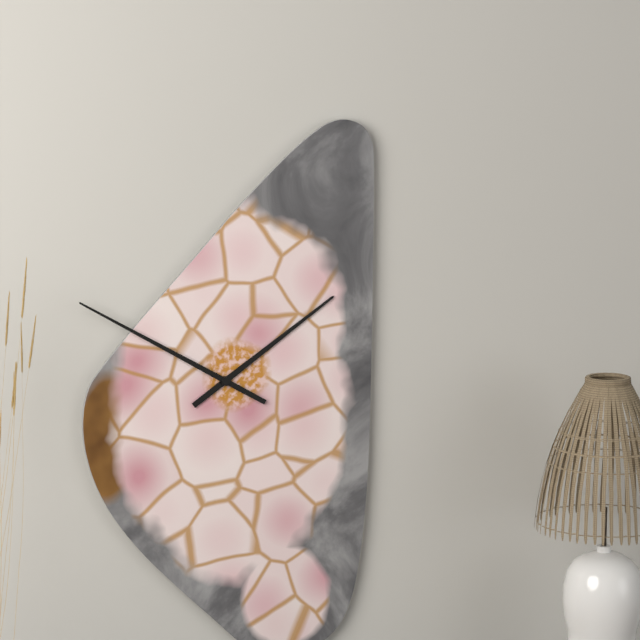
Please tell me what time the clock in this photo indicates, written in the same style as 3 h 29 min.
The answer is 1 h 50 min
